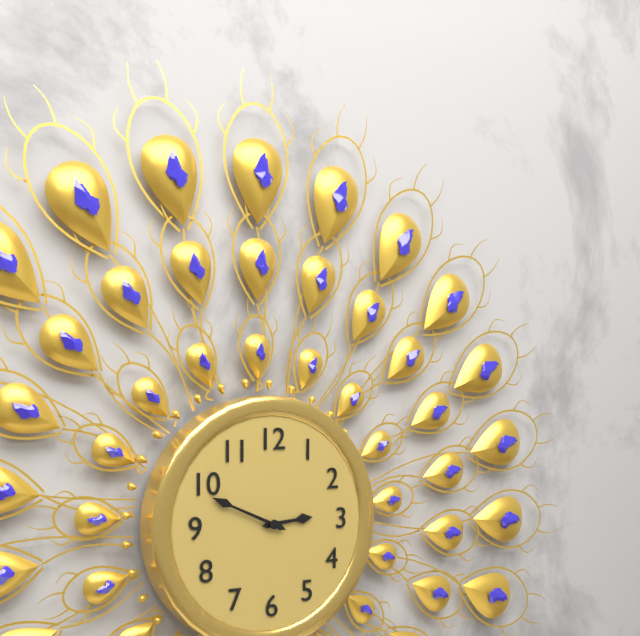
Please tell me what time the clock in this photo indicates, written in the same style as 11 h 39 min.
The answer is 2 h 49 min
